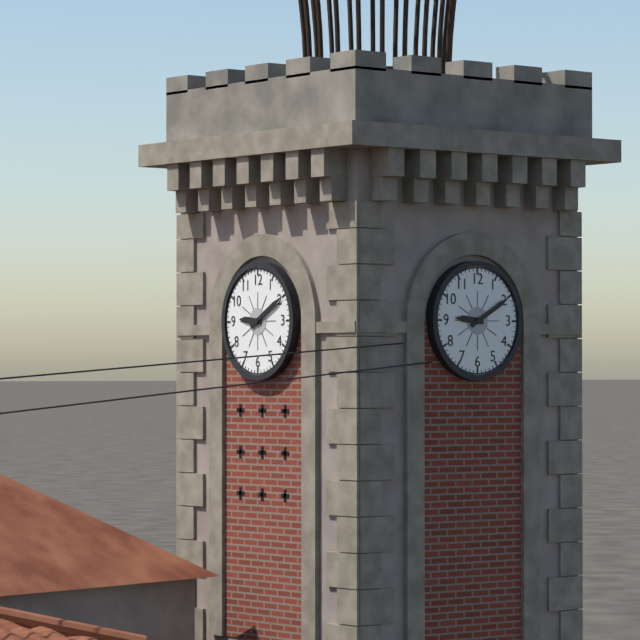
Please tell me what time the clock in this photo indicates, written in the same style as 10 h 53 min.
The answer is 9 h 10 min
